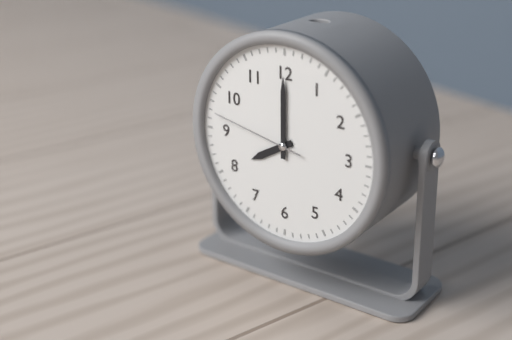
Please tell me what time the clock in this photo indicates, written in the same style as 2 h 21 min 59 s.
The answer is 8 h 00 min 47 s
